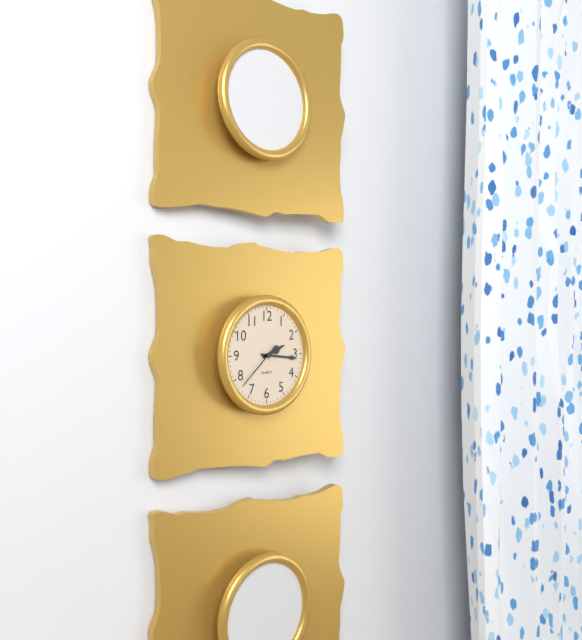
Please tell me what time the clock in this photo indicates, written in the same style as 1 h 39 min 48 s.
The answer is 2 h 16 min 38 s
